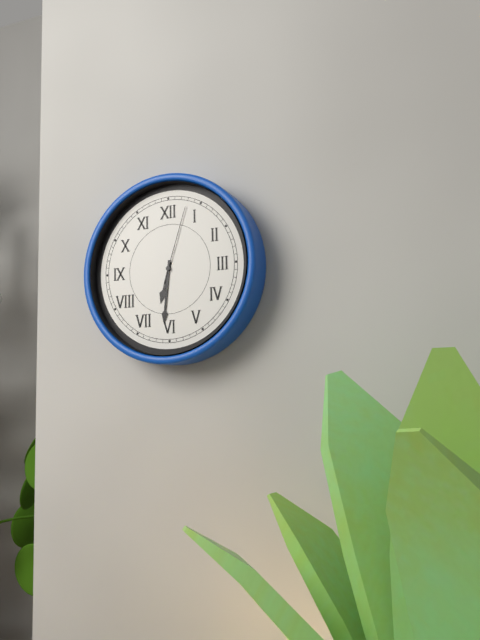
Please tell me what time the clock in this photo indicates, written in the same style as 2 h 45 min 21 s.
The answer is 6 h 31 min 03 s
